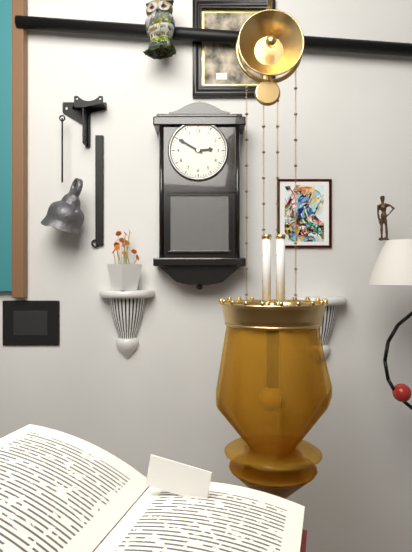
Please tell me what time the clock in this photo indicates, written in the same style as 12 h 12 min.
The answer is 2 h 50 min
